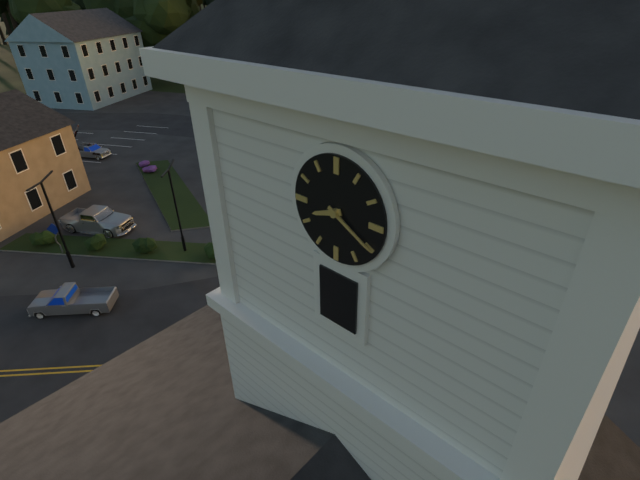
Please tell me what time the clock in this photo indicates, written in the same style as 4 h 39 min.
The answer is 8 h 20 min
